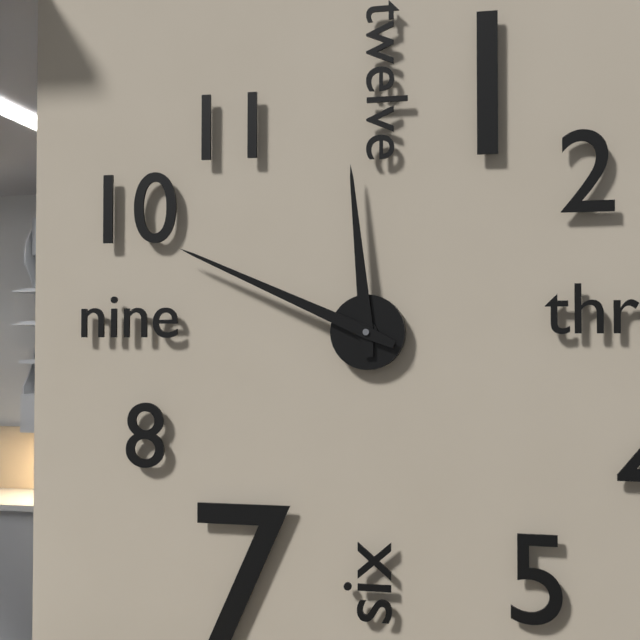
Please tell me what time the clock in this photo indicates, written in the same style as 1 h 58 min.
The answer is 11 h 49 min
